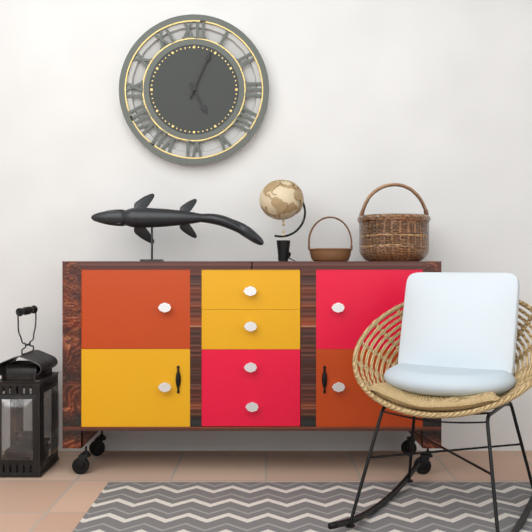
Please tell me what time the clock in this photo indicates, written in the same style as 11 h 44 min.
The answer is 5 h 04 min
